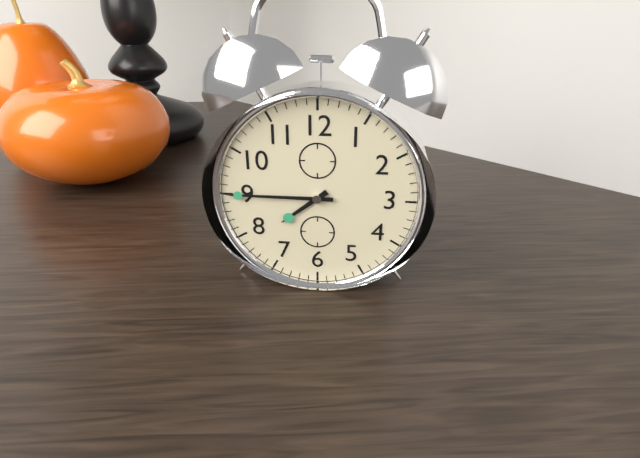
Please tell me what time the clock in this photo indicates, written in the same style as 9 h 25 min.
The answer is 7 h 45 min
